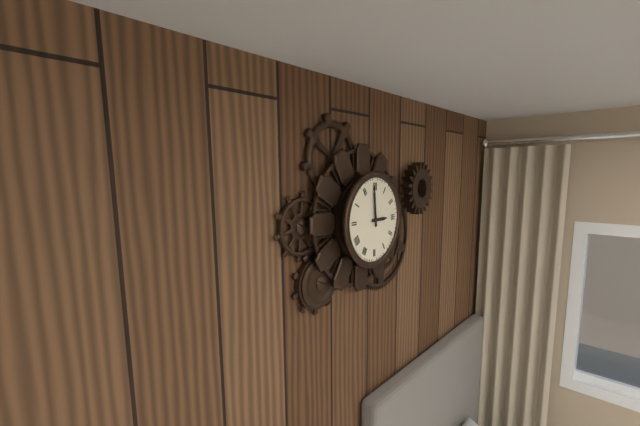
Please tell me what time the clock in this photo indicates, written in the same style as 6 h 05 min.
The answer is 2 h 59 min
